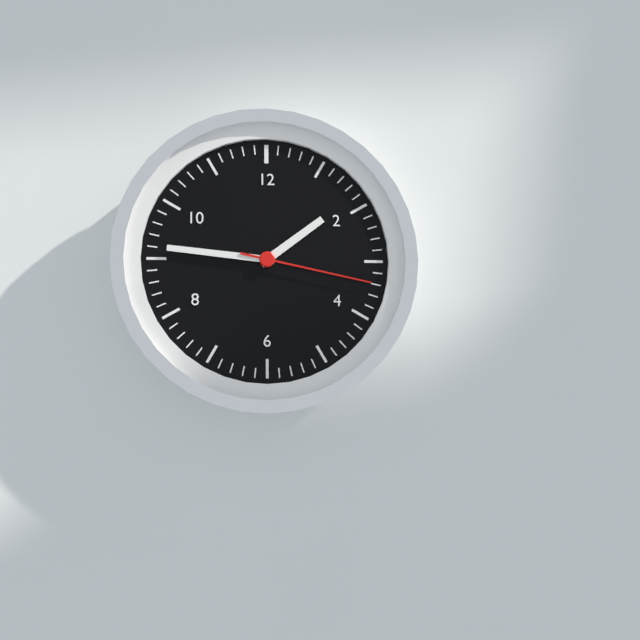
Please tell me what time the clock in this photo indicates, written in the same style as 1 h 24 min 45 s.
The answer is 1 h 46 min 17 s
